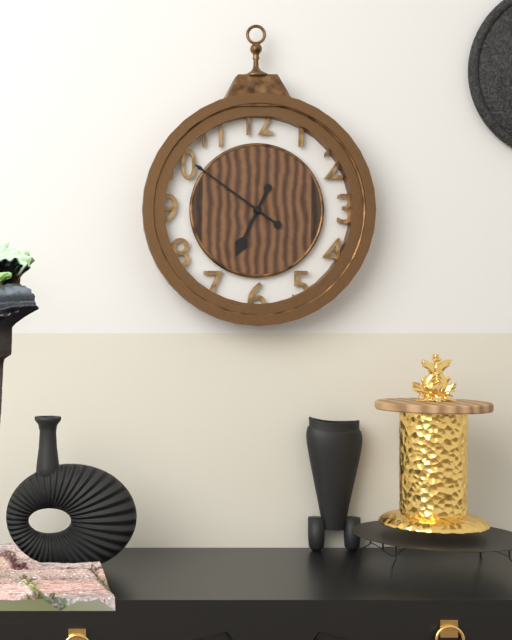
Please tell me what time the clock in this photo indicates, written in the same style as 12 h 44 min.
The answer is 6 h 51 min
